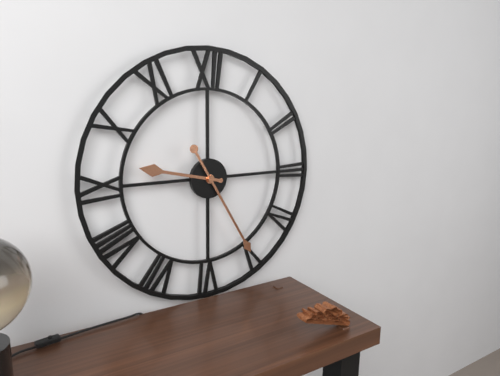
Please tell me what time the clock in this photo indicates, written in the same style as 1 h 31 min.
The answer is 9 h 25 min
